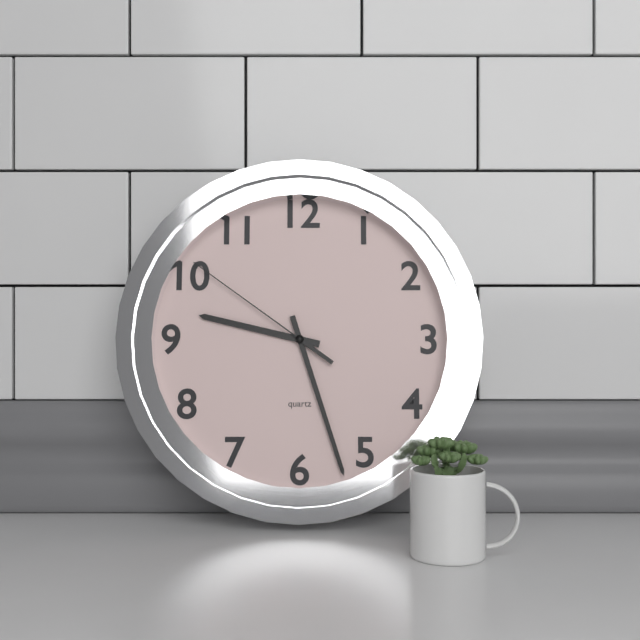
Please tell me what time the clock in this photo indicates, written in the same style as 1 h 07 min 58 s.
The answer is 9 h 27 min 51 s
